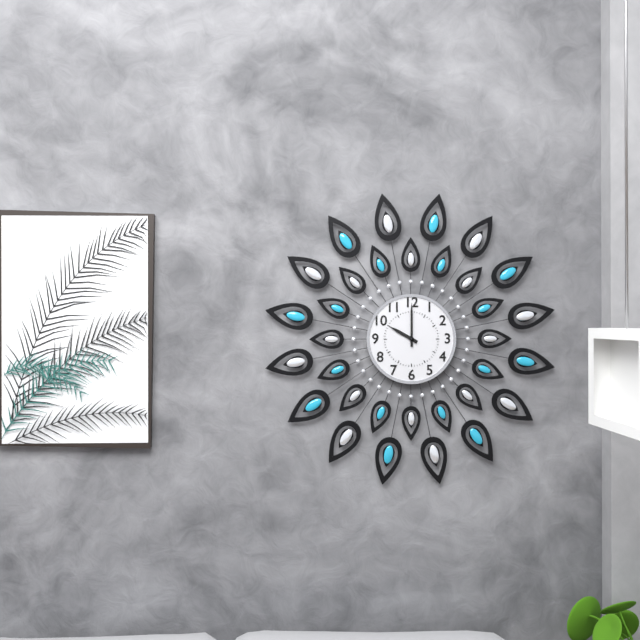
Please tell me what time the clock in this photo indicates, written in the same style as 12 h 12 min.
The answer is 10 h 00 min
